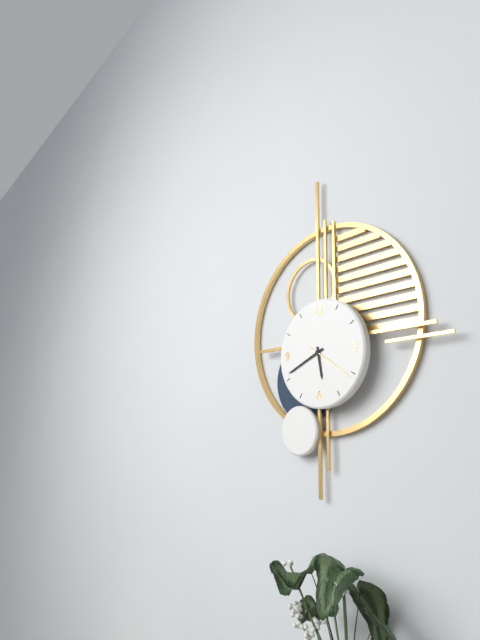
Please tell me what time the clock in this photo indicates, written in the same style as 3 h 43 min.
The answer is 5 h 41 min
